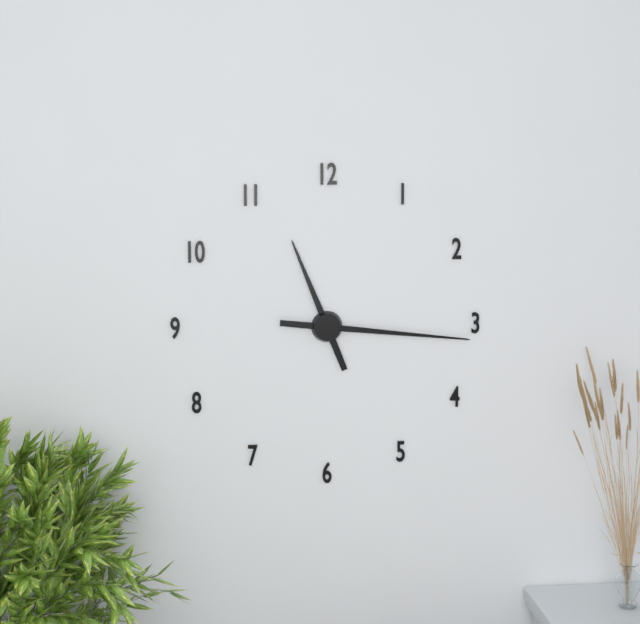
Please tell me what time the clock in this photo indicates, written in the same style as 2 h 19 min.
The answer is 11 h 16 min
